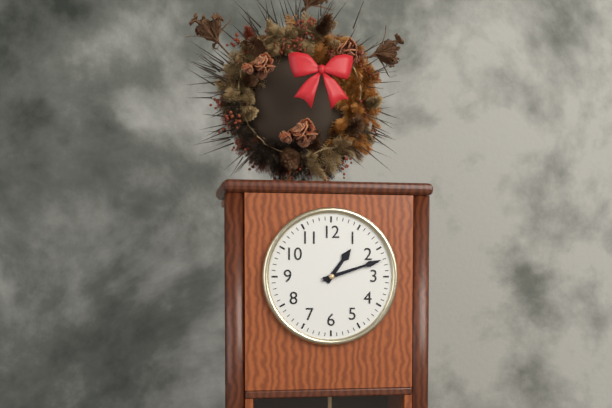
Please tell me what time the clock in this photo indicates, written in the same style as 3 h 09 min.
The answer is 1 h 12 min
